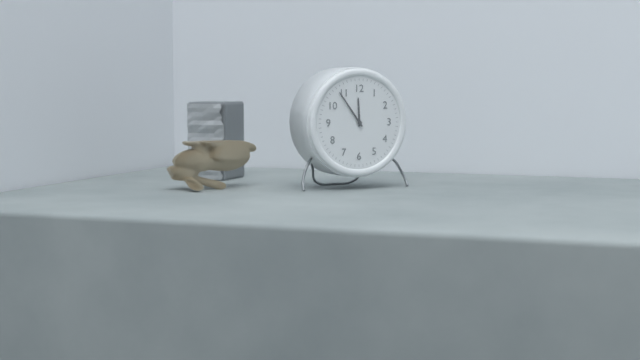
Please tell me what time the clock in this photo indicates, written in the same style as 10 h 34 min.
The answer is 11 h 54 min
